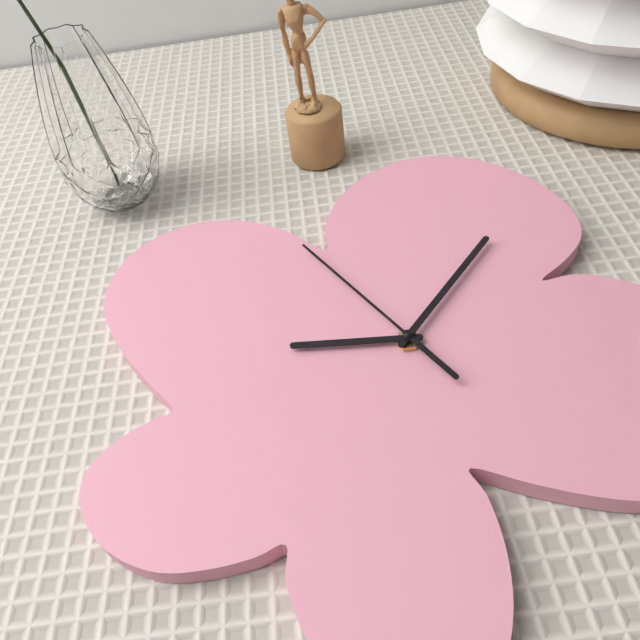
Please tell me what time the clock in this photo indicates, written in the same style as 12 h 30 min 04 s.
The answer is 10 h 12 min 00 s
